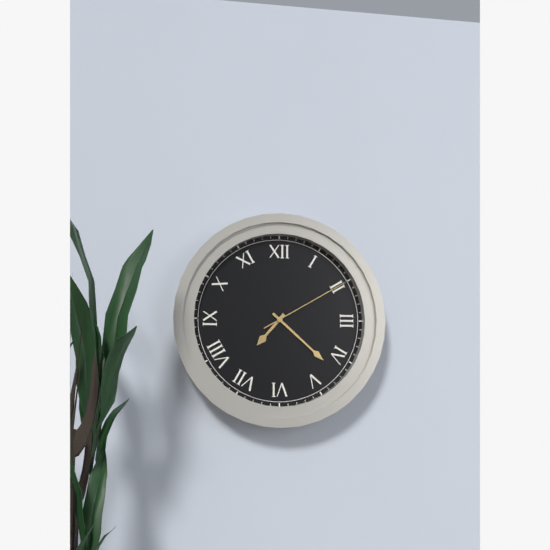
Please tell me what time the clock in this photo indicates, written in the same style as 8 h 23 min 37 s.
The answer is 7 h 22 min 10 s
